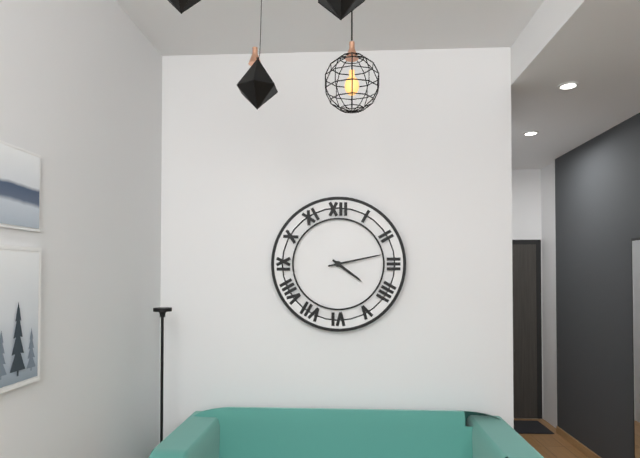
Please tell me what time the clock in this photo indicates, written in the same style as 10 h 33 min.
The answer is 4 h 13 min
